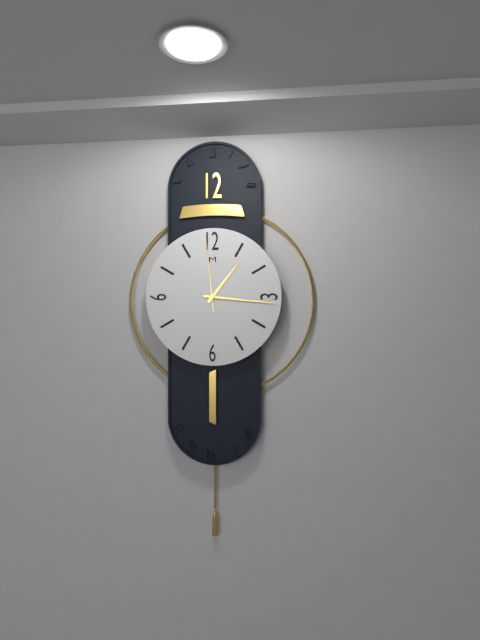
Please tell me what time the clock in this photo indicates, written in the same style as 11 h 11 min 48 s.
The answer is 1 h 16 min 59 s
